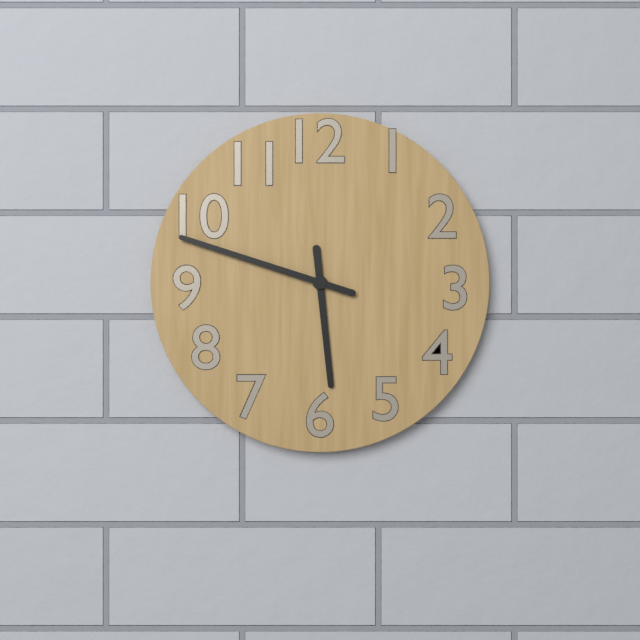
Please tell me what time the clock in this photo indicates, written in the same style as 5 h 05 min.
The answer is 5 h 48 min
